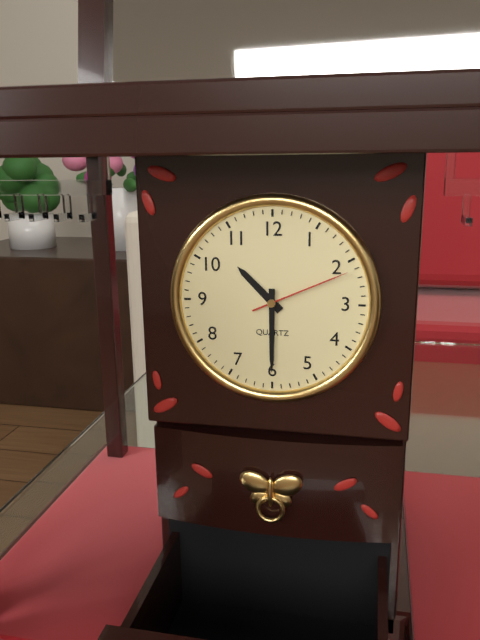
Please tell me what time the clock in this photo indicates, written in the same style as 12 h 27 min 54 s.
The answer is 10 h 30 min 11 s
